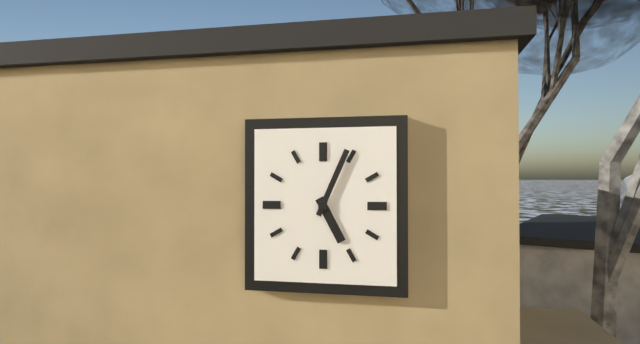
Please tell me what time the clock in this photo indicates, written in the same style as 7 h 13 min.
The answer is 5 h 04 min
